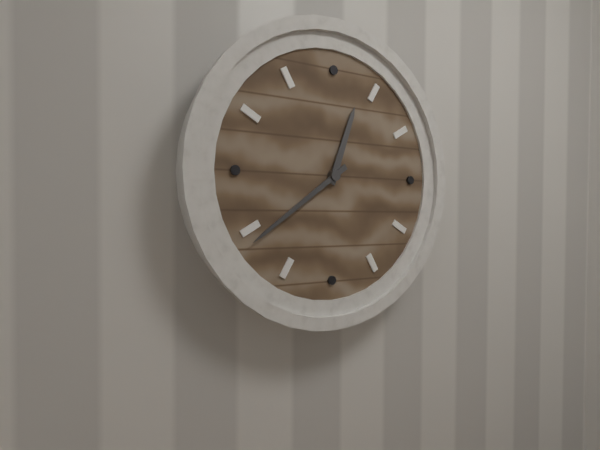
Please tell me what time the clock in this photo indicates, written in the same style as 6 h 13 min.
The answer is 12 h 39 min
